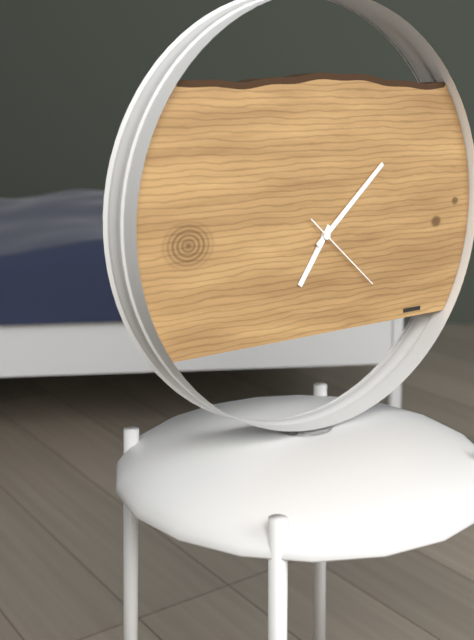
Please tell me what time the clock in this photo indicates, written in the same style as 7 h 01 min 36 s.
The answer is 7 h 08 min 22 s
